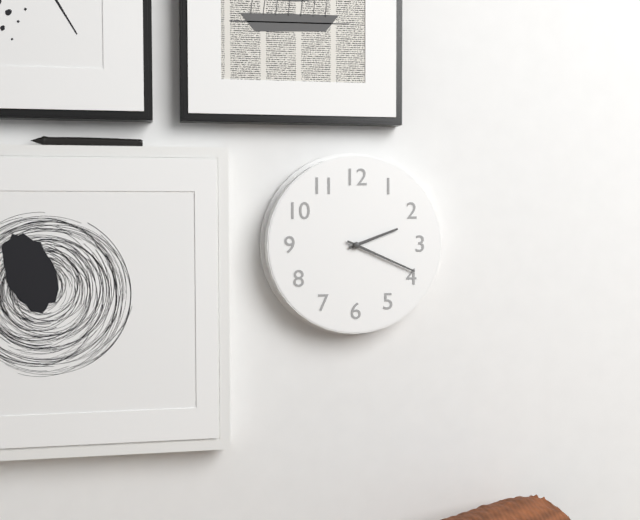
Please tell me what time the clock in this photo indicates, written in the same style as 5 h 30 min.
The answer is 2 h 19 min
